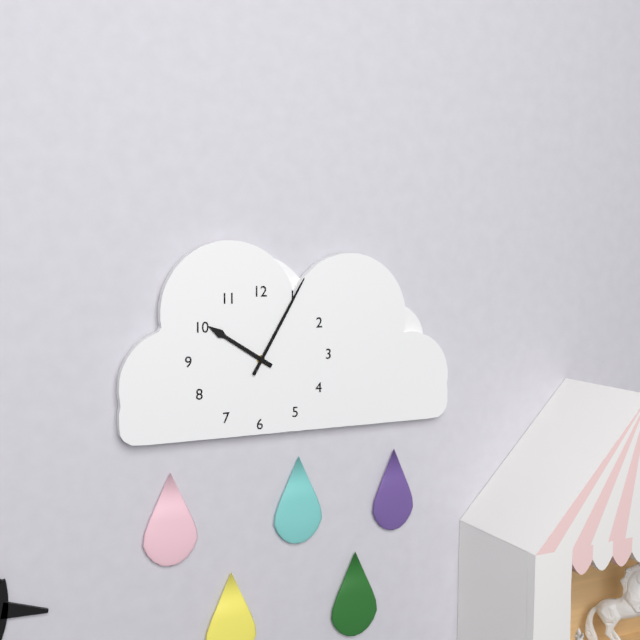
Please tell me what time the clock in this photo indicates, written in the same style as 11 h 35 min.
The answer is 10 h 05 min
